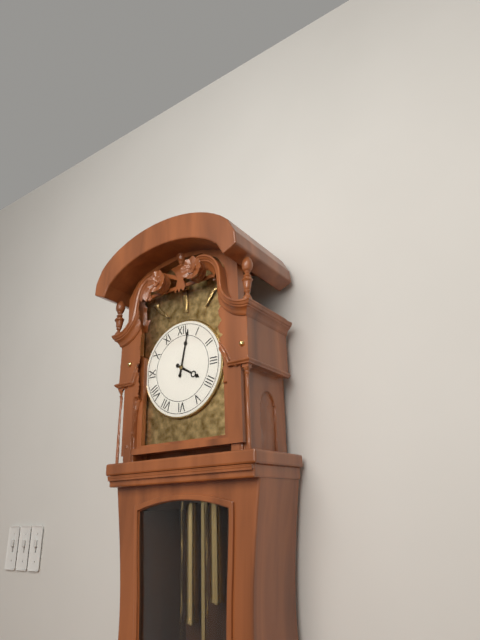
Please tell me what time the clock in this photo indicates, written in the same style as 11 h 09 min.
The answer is 4 h 02 min
